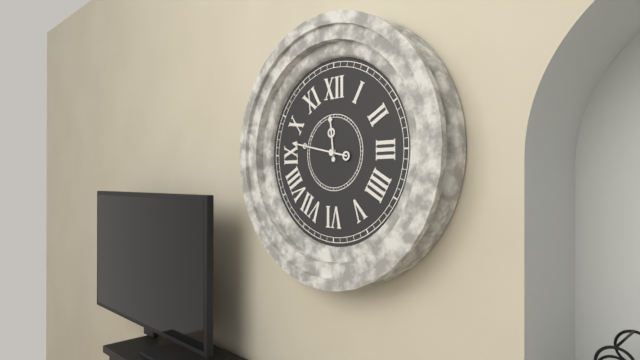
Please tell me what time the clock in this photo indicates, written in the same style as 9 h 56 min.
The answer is 11 h 47 min
